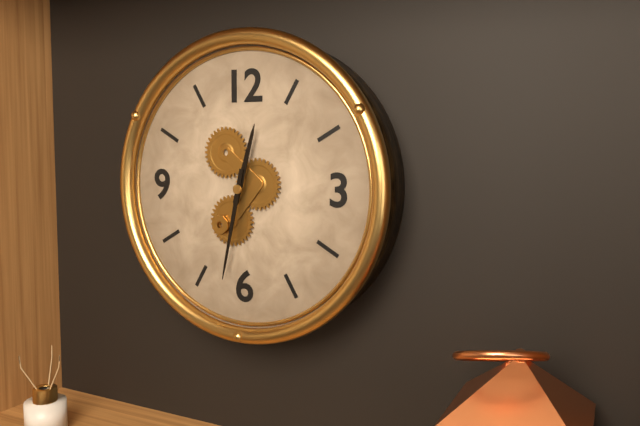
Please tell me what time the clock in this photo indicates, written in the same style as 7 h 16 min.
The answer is 12 h 32 min
